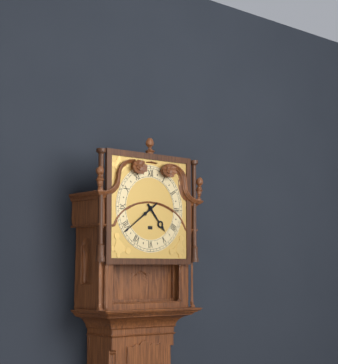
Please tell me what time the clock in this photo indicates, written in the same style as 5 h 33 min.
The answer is 4 h 39 min
